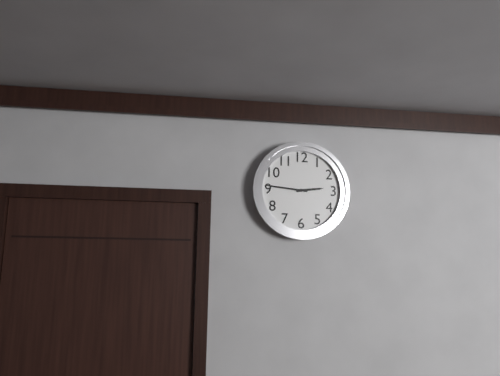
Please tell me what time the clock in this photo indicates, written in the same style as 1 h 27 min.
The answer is 2 h 46 min
